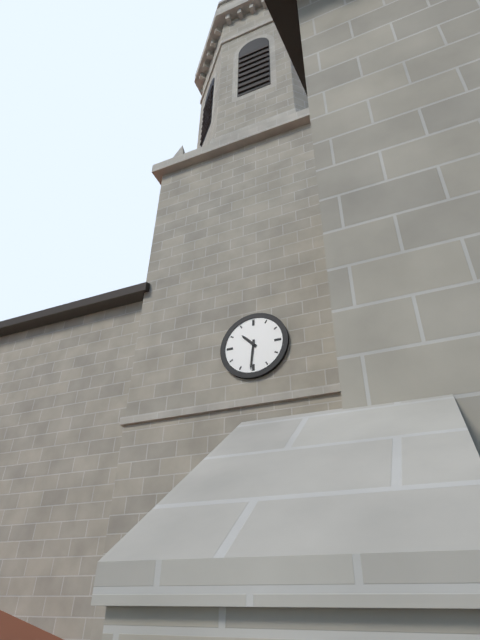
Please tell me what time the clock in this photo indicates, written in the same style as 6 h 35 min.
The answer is 10 h 31 min
